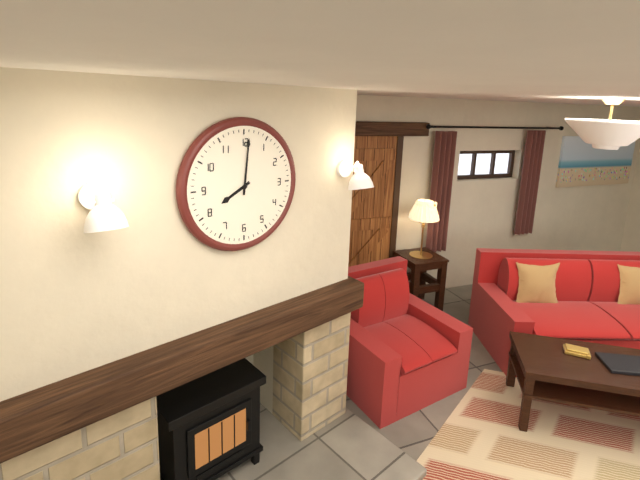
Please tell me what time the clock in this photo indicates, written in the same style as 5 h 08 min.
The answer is 8 h 01 min
